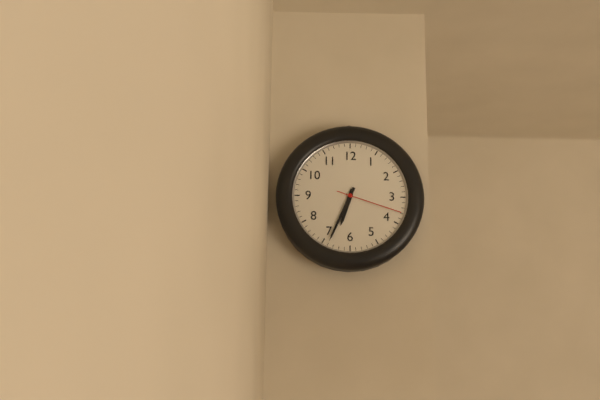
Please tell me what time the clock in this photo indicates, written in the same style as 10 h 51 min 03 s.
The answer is 6 h 34 min 18 s
